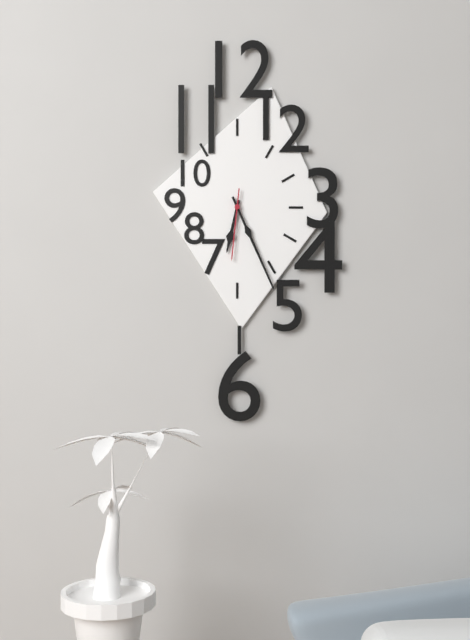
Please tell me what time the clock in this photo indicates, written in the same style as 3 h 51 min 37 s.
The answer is 6 h 26 min 31 s
